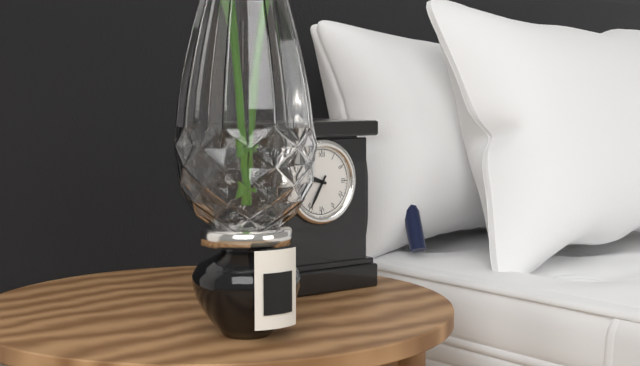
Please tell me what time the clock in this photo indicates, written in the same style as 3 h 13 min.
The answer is 9 h 35 min
